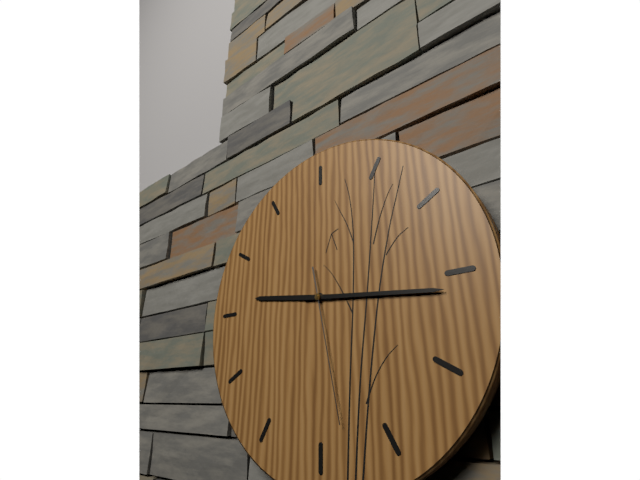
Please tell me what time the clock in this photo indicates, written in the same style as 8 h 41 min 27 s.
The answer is 9 h 16 min 28 s
